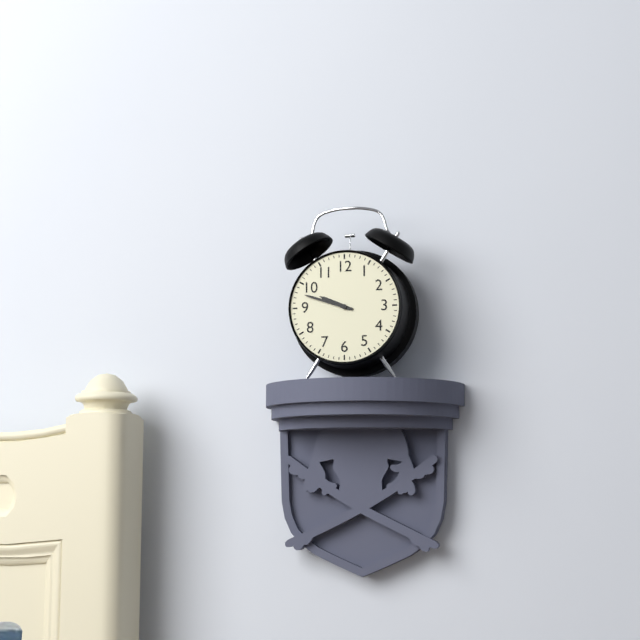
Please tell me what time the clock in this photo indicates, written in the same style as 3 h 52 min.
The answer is 9 h 48 min
